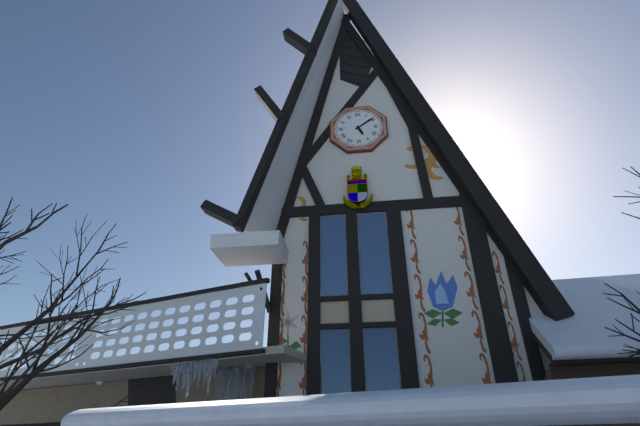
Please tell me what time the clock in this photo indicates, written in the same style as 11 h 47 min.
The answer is 5 h 09 min
